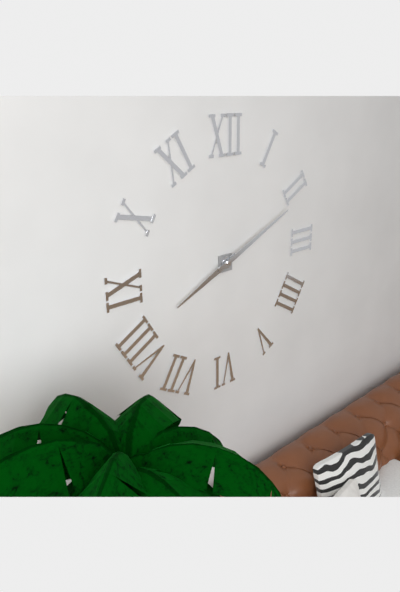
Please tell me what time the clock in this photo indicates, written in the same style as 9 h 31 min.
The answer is 8 h 11 min
